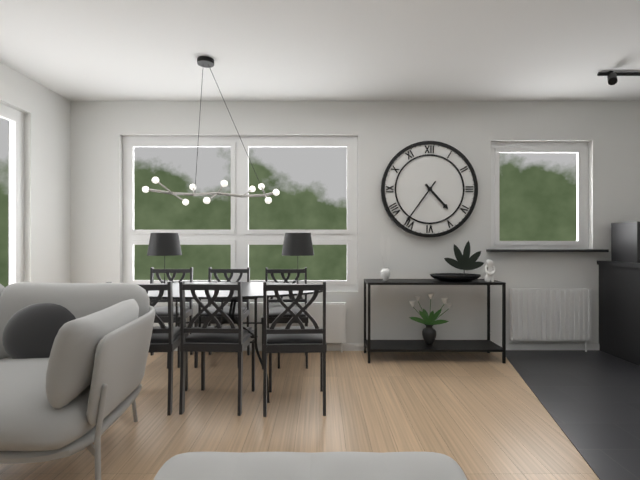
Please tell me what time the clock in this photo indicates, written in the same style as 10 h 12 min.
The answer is 4 h 36 min
